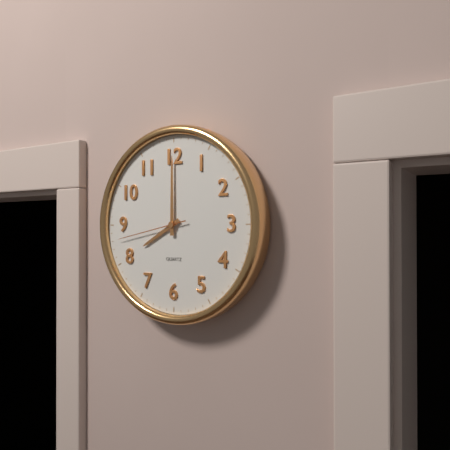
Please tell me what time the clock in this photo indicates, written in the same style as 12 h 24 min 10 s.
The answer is 8 h 00 min 43 s
